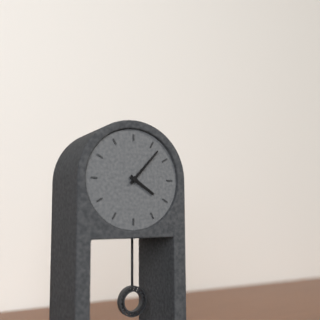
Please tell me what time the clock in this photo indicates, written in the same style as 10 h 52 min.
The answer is 4 h 07 min
